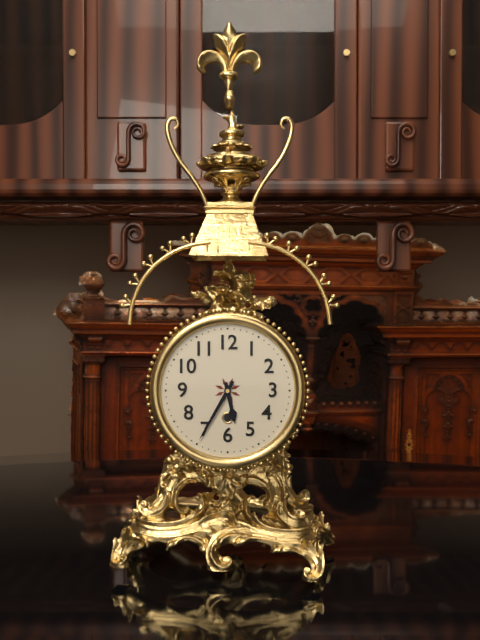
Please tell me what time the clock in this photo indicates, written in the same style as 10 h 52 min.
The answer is 5 h 35 min
